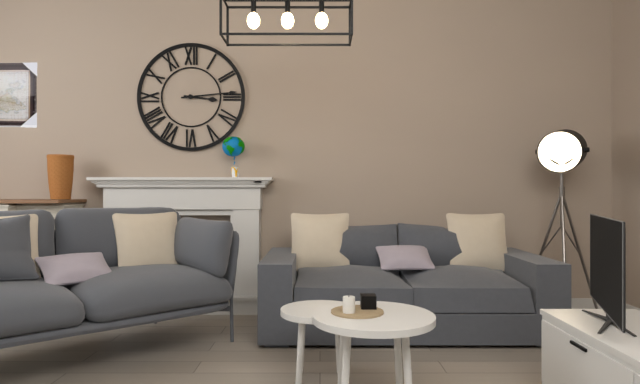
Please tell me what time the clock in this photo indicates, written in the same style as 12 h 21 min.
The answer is 3 h 14 min
